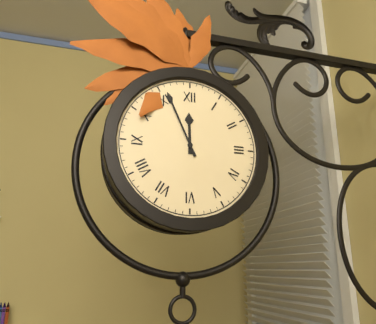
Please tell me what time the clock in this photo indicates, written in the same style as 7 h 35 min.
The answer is 11 h 56 min
